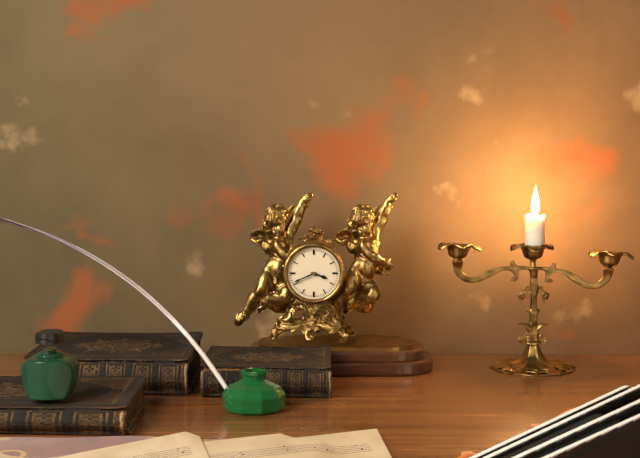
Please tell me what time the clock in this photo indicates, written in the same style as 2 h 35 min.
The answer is 3 h 41 min
